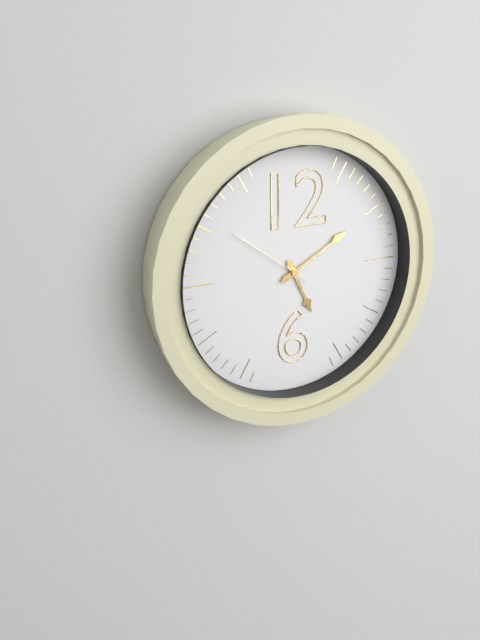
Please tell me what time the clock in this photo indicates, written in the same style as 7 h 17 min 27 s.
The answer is 5 h 10 min 51 s
